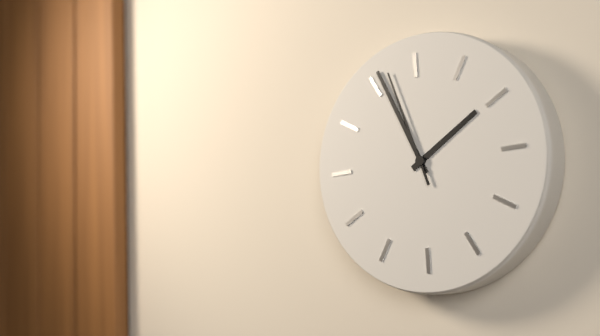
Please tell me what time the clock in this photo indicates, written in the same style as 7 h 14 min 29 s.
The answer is 1 h 56 min 57 s
